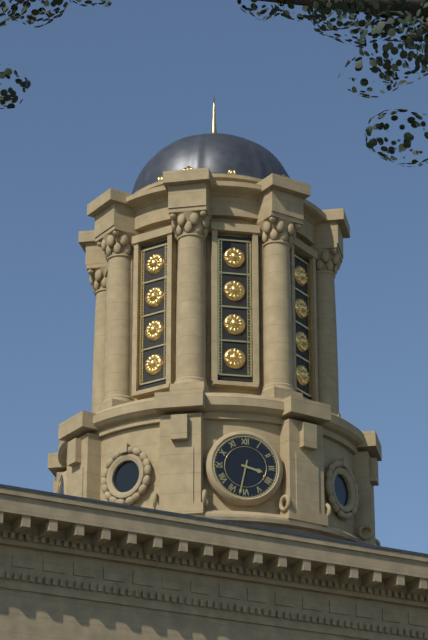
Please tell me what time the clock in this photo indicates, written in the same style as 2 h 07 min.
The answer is 3 h 32 min
